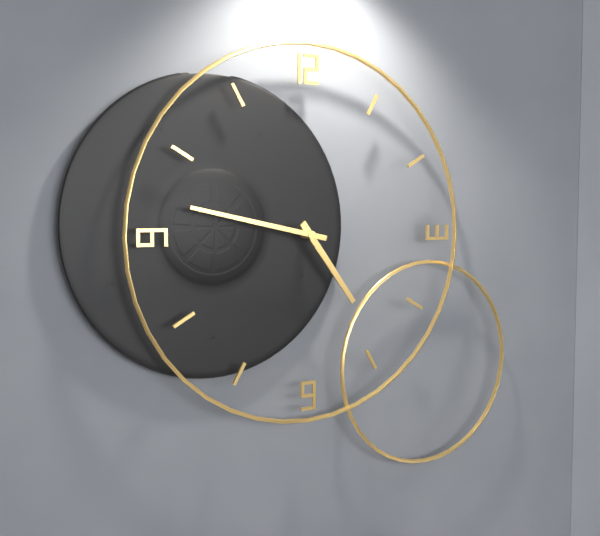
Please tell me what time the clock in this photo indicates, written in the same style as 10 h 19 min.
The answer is 4 h 47 min
